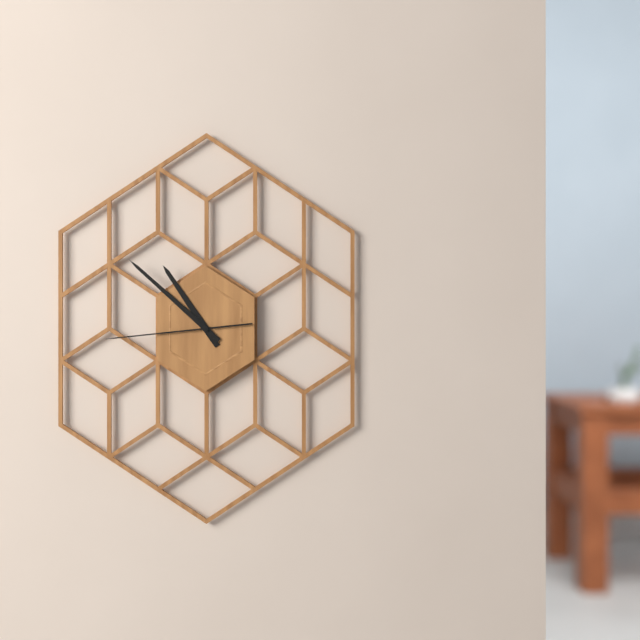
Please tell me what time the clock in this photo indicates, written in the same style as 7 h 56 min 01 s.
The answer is 10 h 52 min 44 s
